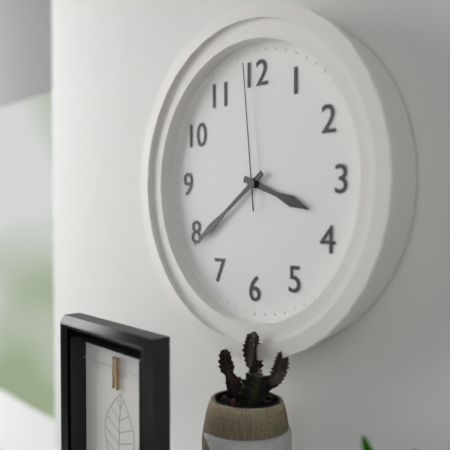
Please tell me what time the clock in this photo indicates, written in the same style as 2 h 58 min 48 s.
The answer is 3 h 39 min 59 s
